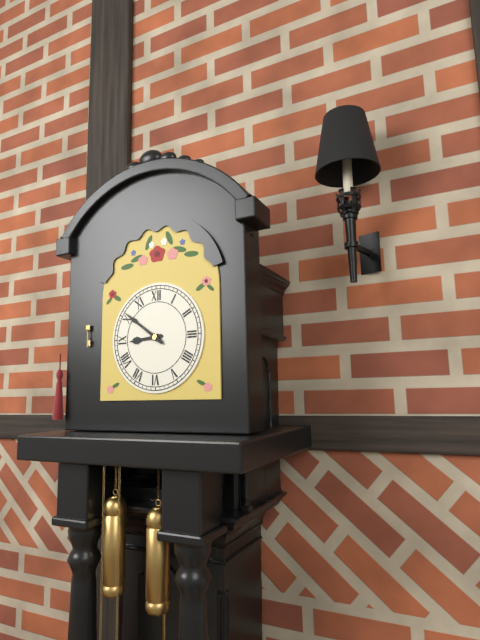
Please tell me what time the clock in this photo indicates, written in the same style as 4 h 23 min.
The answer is 8 h 51 min
